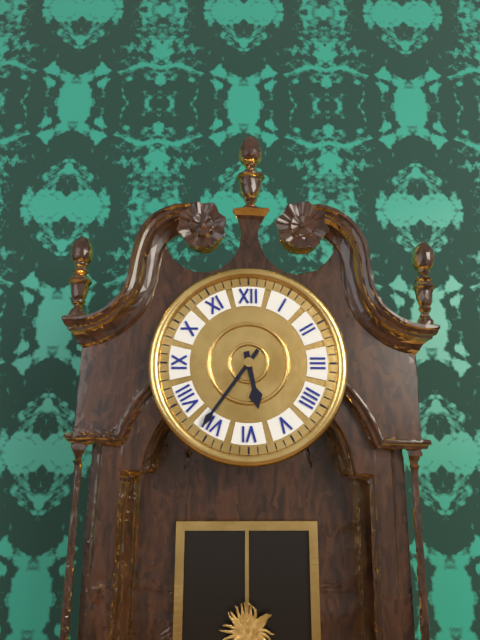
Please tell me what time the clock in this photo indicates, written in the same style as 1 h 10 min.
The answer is 5 h 36 min
